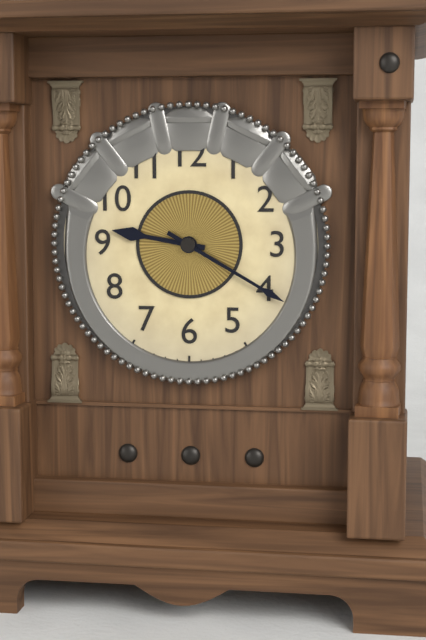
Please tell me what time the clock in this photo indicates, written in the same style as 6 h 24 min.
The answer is 9 h 20 min
